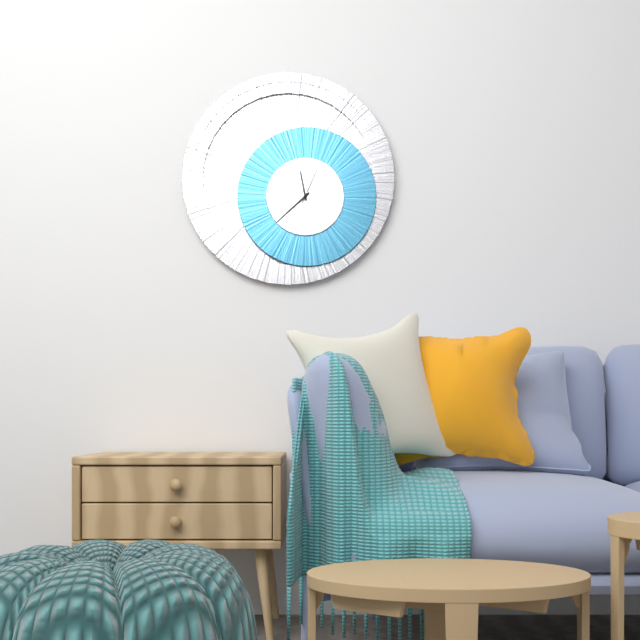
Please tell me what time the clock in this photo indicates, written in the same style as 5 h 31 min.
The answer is 11 h 38 min
